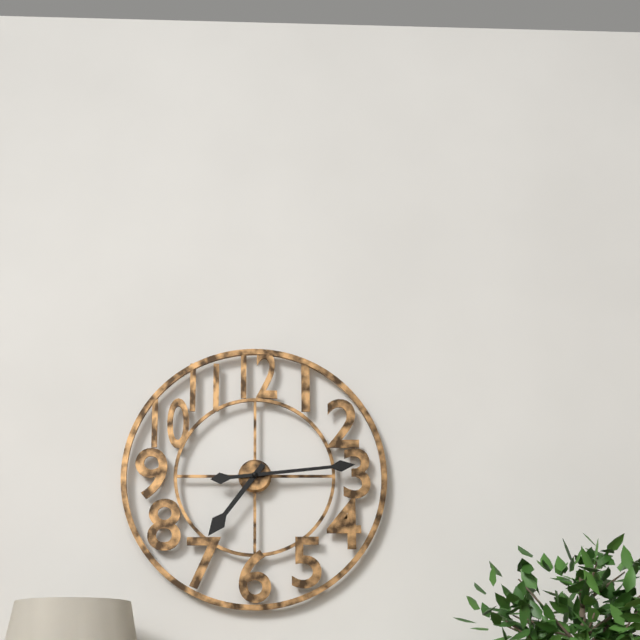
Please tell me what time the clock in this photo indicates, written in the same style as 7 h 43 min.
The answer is 7 h 14 min
